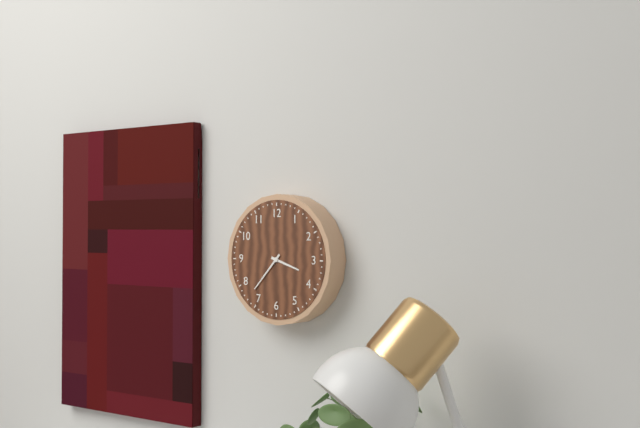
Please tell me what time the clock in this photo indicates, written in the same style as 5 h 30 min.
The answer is 3 h 37 min
